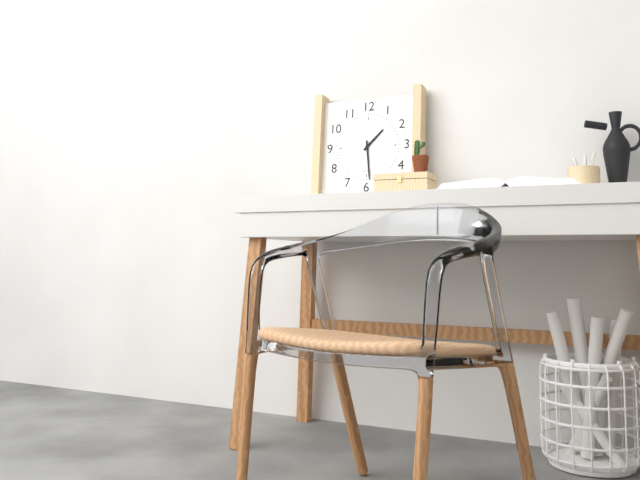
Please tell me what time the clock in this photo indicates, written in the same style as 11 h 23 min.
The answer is 1 h 29 min
